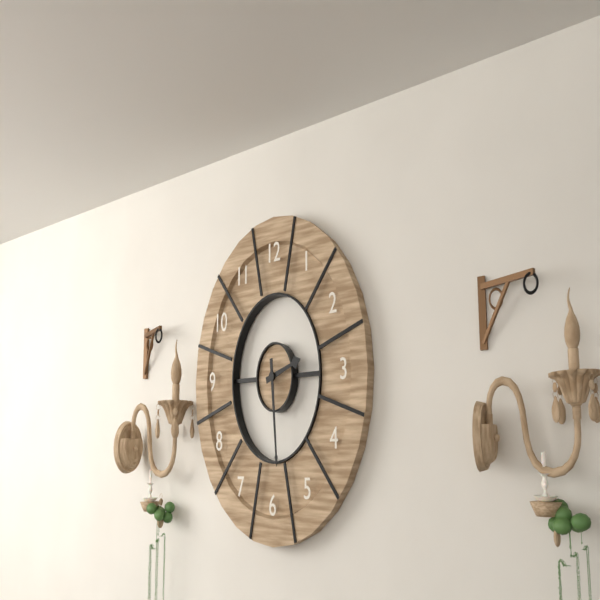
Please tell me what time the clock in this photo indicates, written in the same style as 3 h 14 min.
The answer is 2 h 29 min
